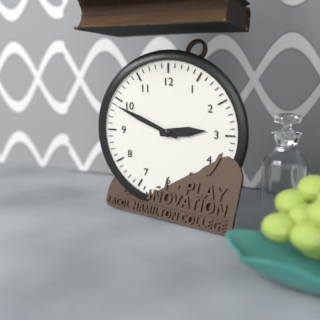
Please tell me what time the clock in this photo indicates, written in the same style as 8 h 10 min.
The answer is 2 h 49 min
